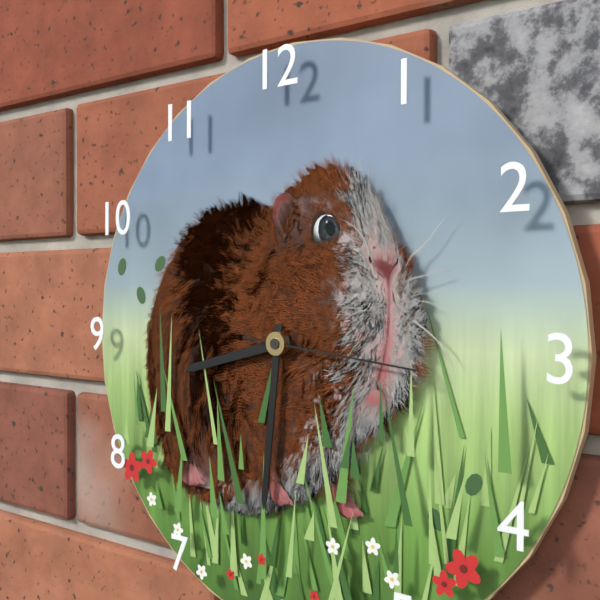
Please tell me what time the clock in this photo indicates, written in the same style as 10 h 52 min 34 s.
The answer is 8 h 31 min 16 s
